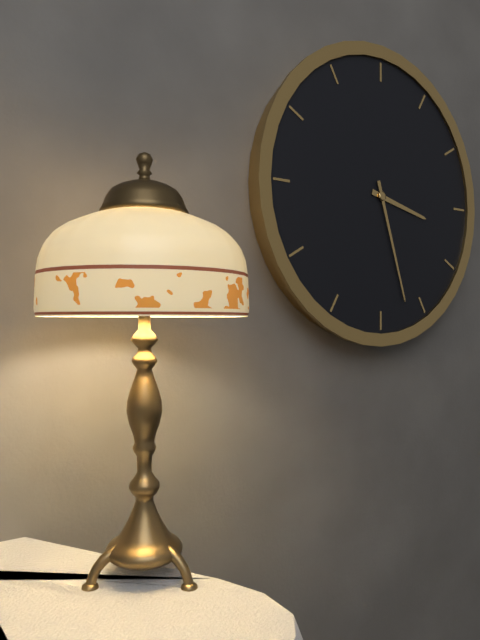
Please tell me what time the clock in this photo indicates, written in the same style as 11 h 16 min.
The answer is 3 h 27 min
